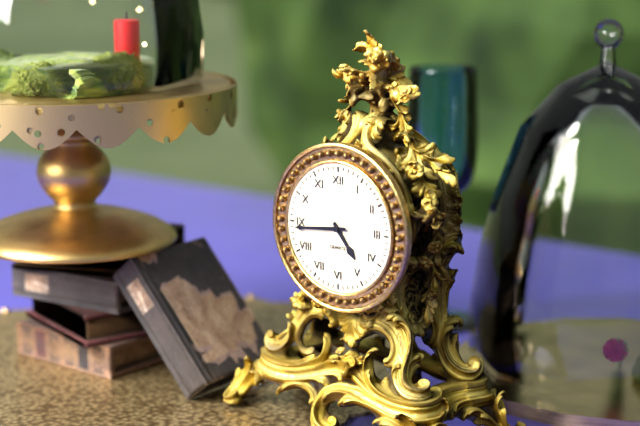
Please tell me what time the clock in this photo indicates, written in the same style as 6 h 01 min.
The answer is 4 h 44 min
